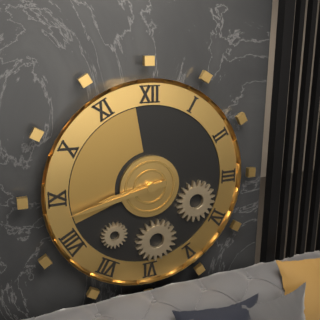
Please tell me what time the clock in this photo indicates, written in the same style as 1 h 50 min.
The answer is 8 h 43 min
